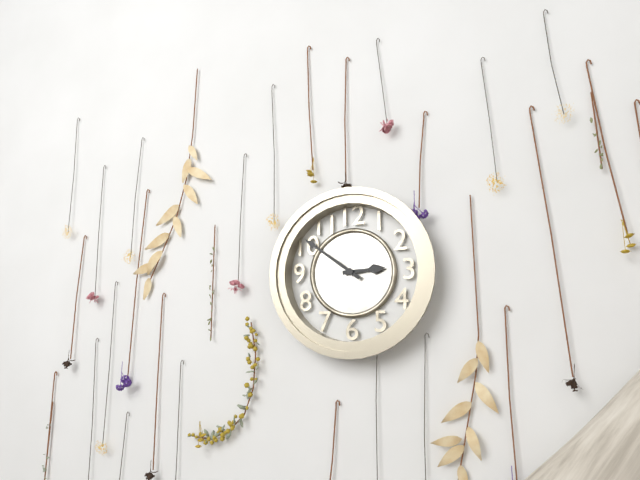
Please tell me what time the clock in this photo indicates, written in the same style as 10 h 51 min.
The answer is 2 h 51 min
